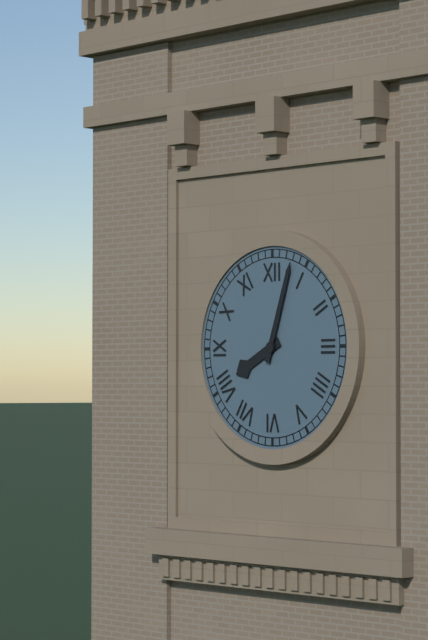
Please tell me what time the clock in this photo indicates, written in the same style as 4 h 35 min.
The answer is 8 h 03 min
